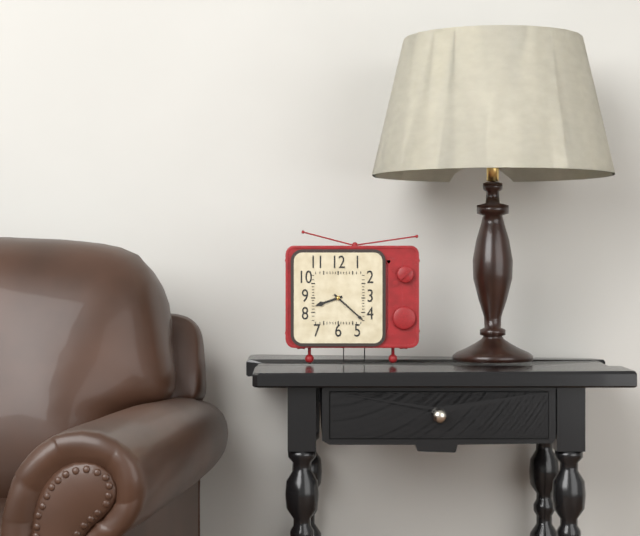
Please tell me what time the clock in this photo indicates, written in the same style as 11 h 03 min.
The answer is 8 h 22 min
